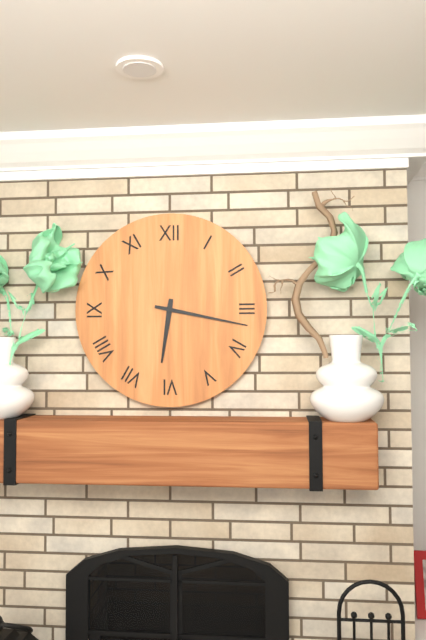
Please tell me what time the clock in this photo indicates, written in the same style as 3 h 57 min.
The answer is 6 h 17 min
